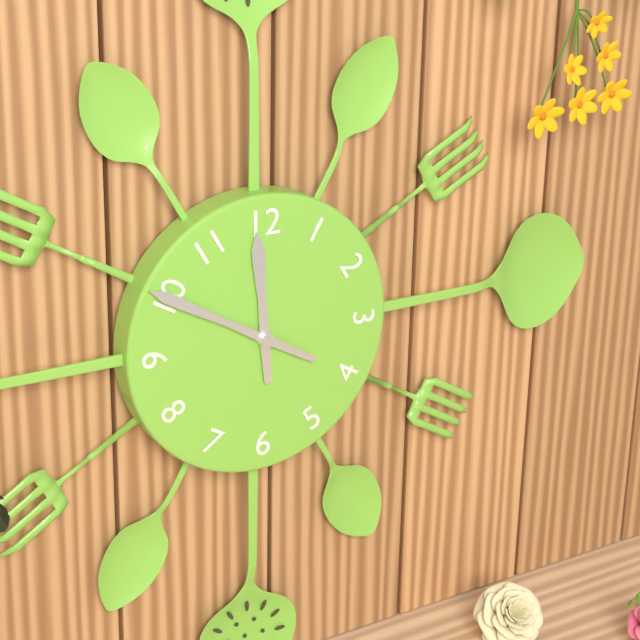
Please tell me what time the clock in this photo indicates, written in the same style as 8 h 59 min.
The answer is 11 h 50 min
